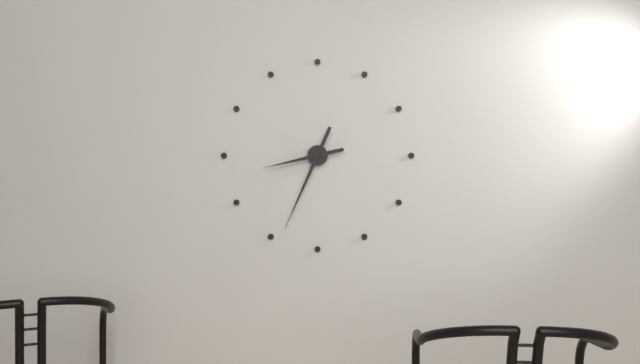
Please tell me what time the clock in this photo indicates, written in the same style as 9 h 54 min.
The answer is 8 h 34 min
